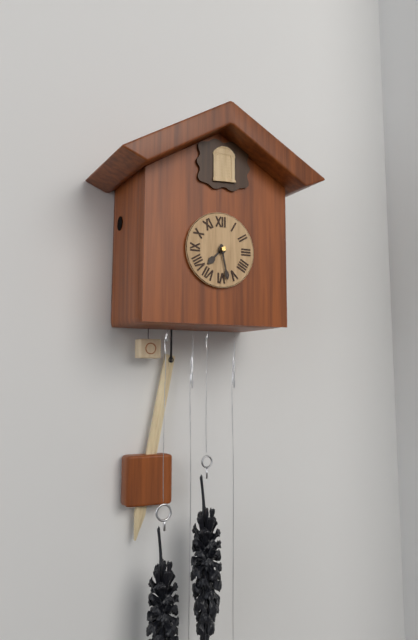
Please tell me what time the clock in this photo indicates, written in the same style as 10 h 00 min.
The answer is 7 h 28 min
